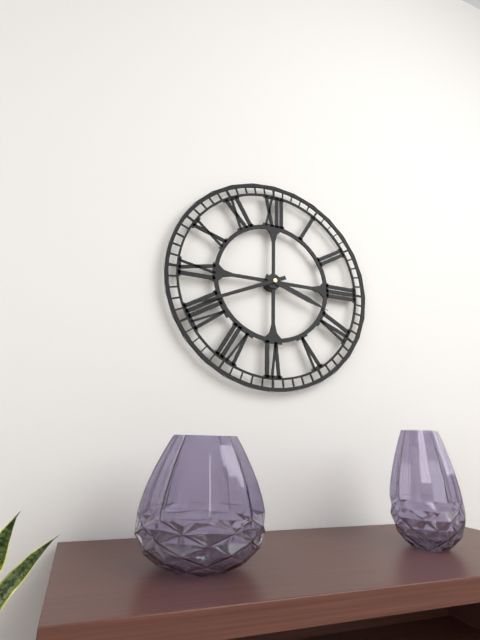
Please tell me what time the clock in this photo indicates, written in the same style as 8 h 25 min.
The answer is 3 h 41 min
